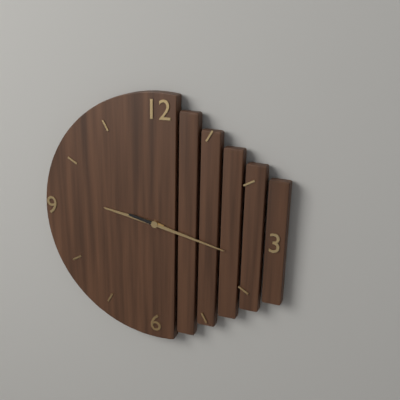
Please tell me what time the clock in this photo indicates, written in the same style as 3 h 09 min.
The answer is 9 h 17 min
